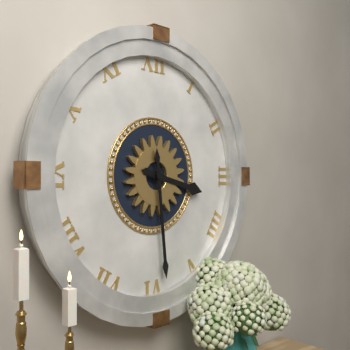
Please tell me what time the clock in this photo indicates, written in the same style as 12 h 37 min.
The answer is 3 h 29 min
